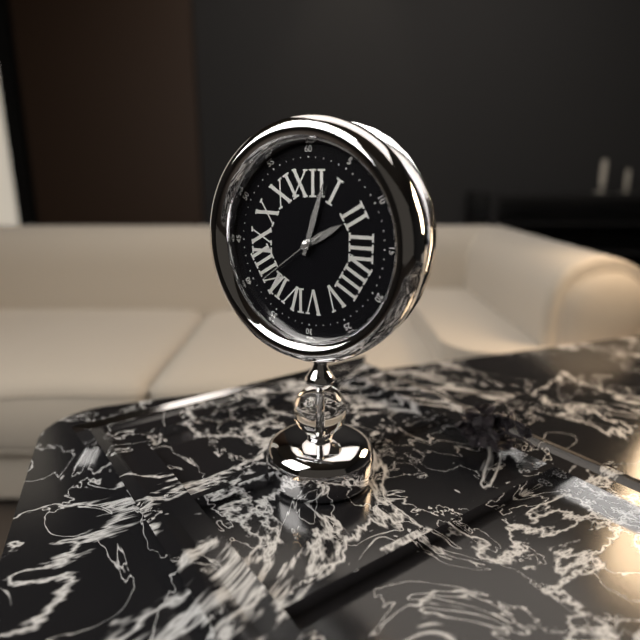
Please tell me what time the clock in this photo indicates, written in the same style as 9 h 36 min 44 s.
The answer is 2 h 03 min 39 s
